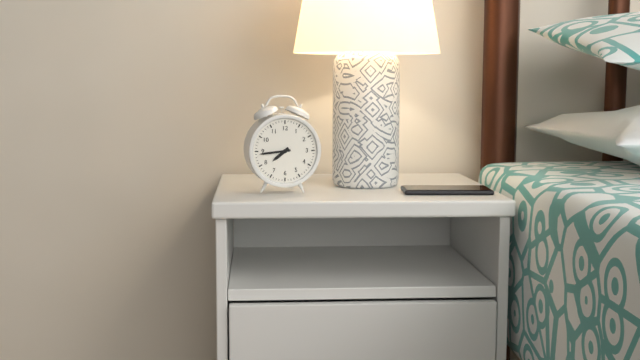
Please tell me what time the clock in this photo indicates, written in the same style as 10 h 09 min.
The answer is 7 h 44 min
